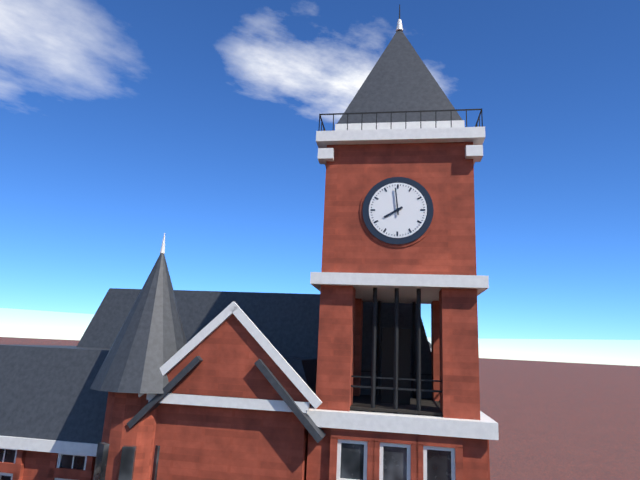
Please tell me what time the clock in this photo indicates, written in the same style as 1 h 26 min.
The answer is 7 h 59 min
